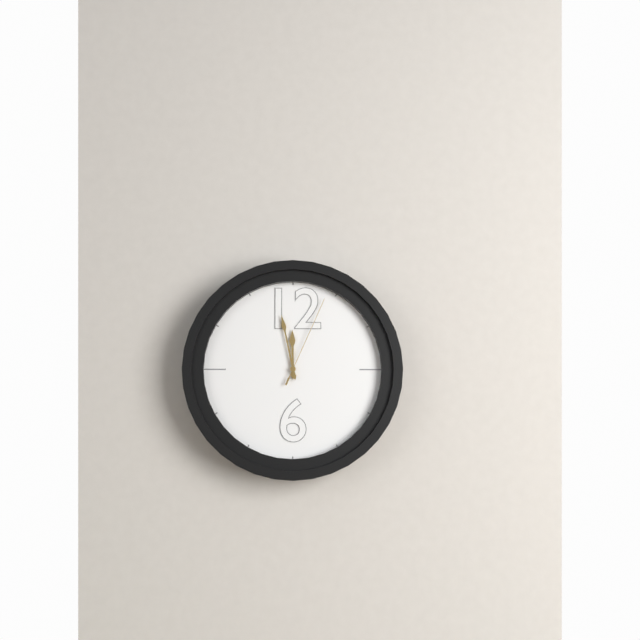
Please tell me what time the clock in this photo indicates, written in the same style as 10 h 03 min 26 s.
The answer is 11 h 58 min 04 s
